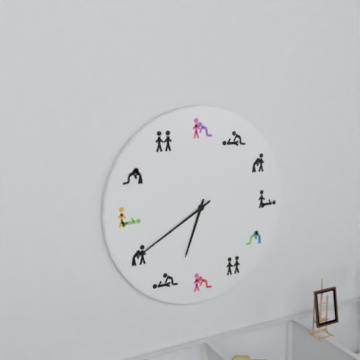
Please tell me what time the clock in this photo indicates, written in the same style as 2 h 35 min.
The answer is 6 h 40 min
